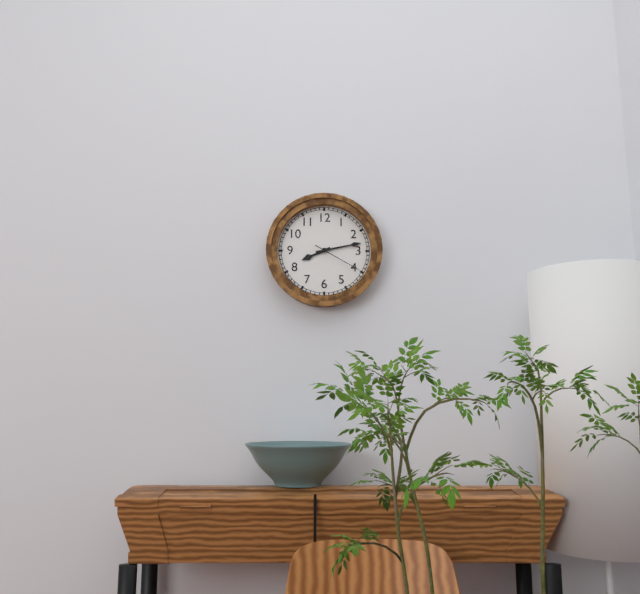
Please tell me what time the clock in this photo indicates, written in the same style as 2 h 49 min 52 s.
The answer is 8 h 13 min 20 s
